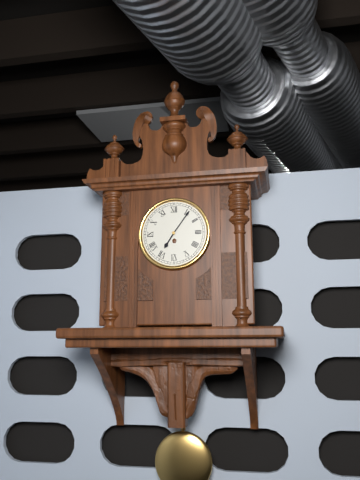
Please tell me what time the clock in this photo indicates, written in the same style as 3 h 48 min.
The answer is 7 h 06 min
